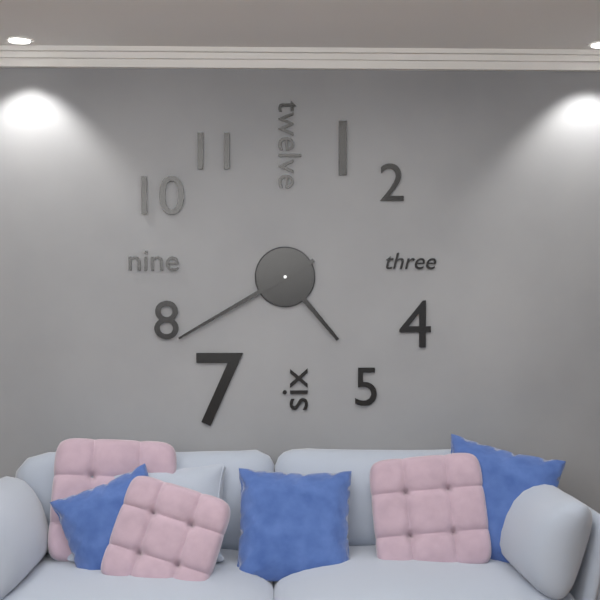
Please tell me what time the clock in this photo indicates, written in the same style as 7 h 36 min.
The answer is 4 h 40 min
